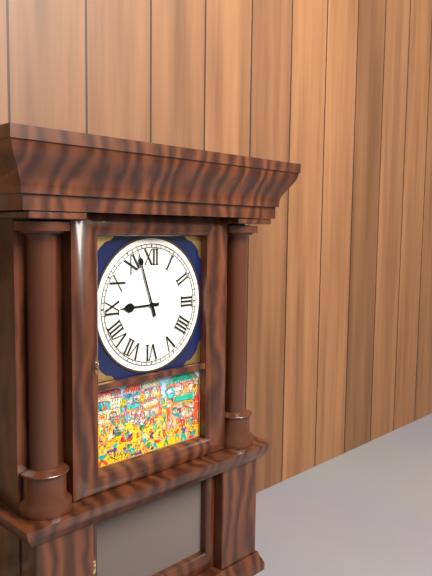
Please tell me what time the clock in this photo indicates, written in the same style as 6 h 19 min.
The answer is 8 h 57 min
